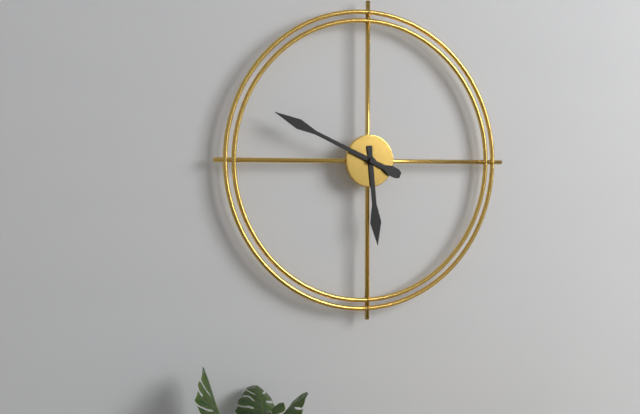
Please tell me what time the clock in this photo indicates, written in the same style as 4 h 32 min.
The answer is 5 h 49 min
